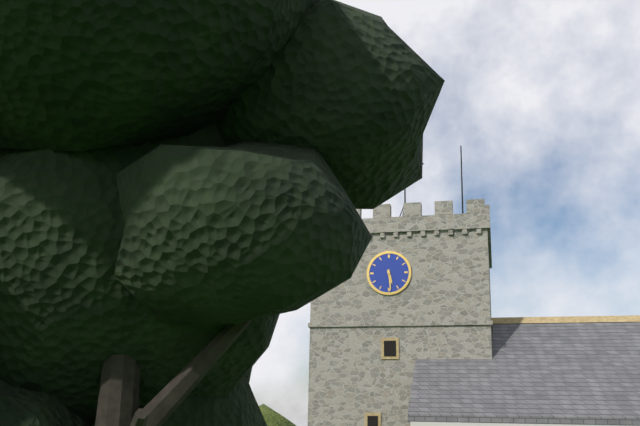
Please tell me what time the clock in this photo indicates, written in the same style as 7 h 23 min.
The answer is 5 h 29 min
